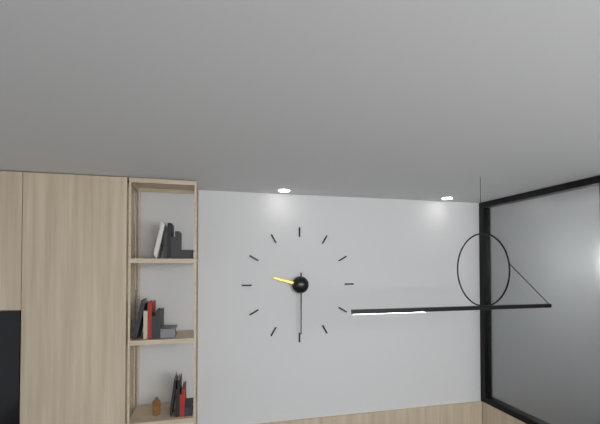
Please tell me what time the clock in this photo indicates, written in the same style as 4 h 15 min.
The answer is 9 h 30 min
